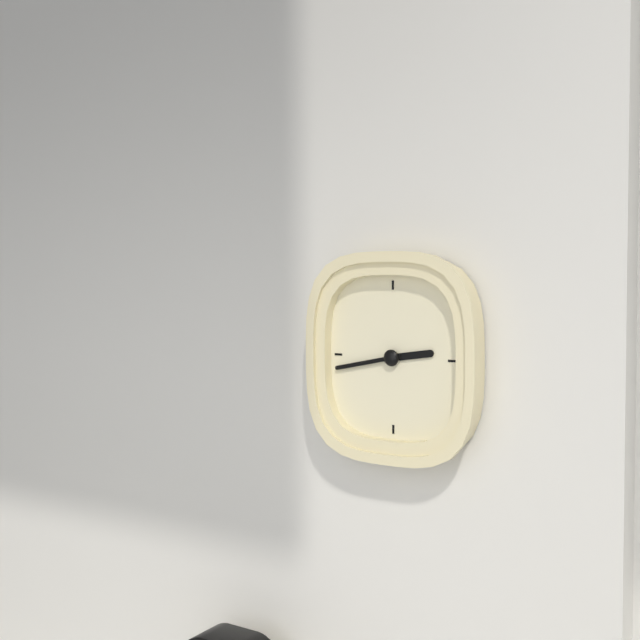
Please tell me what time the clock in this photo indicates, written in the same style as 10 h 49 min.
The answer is 2 h 43 min
